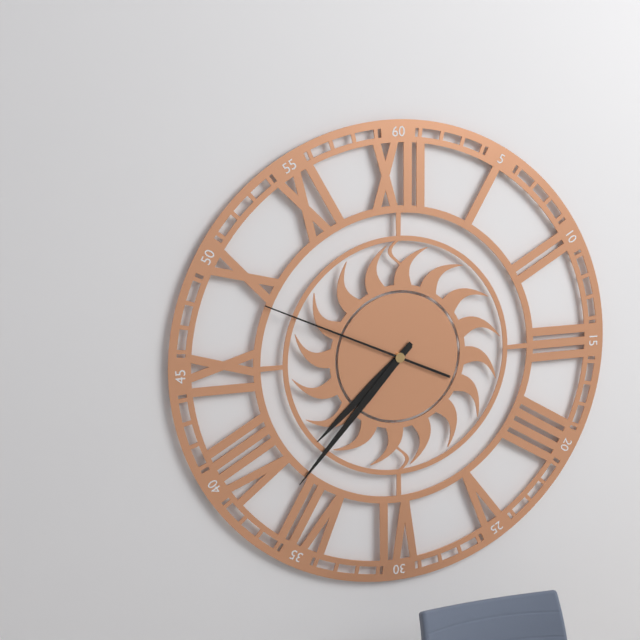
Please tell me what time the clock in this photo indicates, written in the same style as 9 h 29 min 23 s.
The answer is 7 h 37 min 49 s
